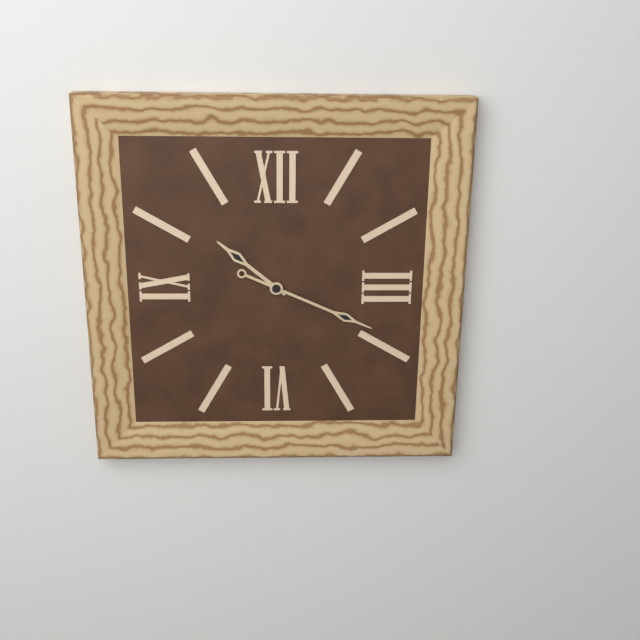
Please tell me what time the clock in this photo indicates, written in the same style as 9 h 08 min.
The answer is 10 h 19 min
